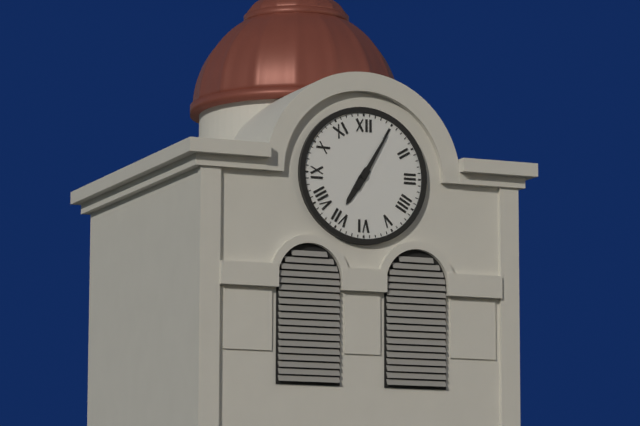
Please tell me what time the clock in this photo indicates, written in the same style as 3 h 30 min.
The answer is 7 h 05 min
